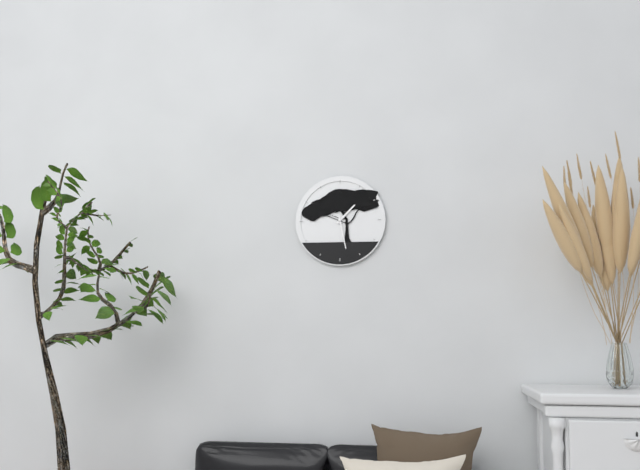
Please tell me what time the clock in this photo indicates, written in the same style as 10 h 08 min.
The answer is 1 h 28 min
